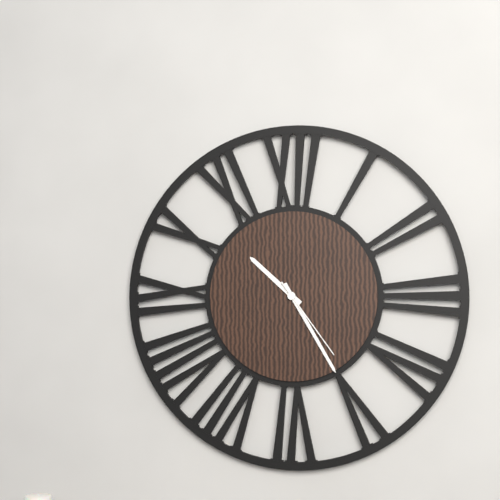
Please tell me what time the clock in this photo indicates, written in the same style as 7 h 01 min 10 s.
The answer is 10 h 25 min 24 s
